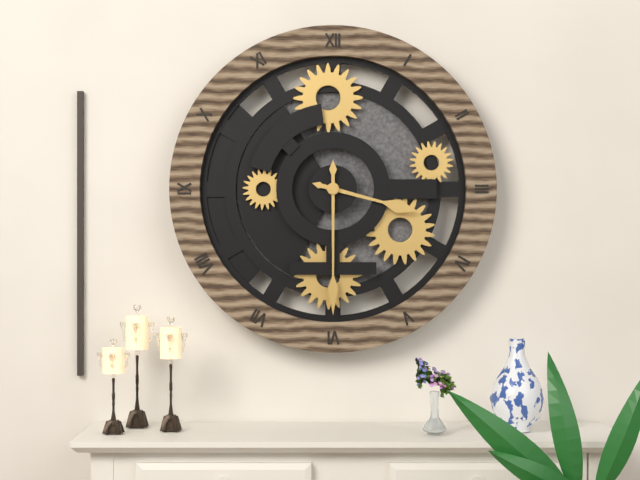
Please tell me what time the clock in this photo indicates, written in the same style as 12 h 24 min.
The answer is 3 h 30 min
